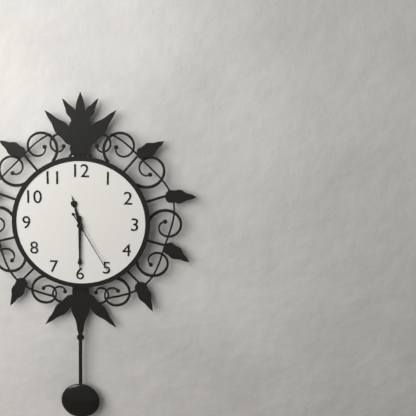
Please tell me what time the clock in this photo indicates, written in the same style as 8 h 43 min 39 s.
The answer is 11 h 30 min 25 s
